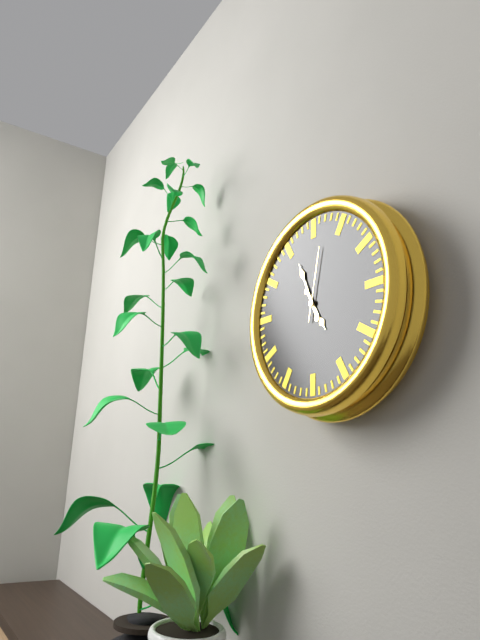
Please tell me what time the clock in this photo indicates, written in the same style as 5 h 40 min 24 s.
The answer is 4 h 56 min 02 s
